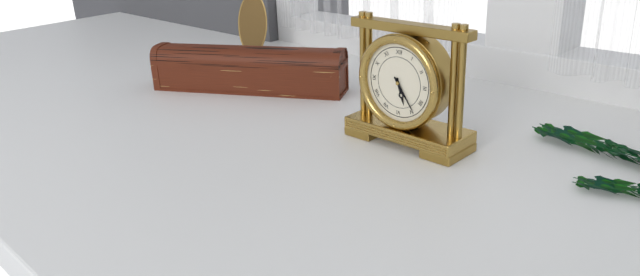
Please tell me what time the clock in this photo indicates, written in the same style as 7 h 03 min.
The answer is 5 h 24 min
